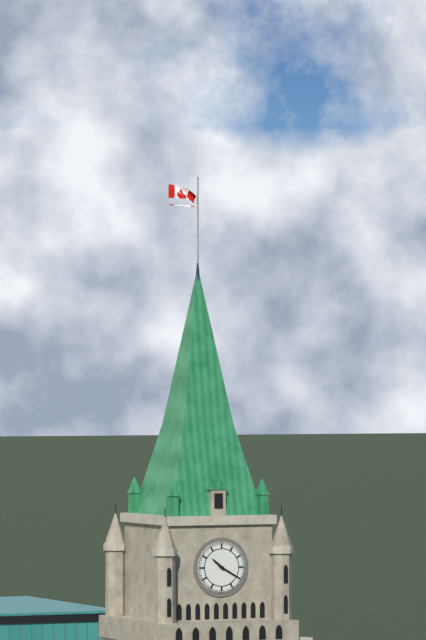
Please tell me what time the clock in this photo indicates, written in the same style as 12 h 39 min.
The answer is 10 h 20 min
